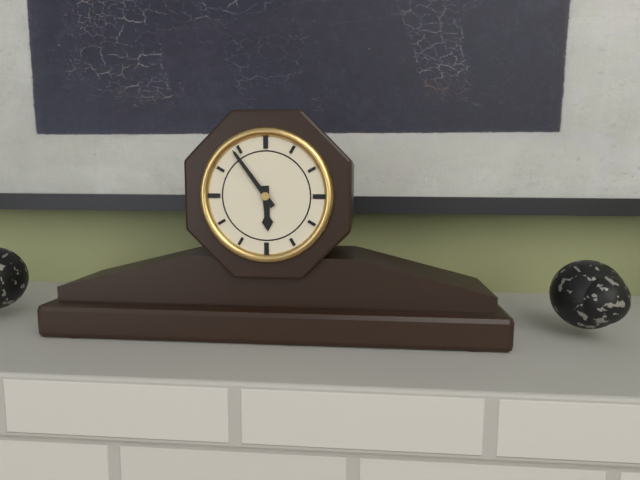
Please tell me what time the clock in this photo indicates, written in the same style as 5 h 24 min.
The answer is 5 h 54 min
